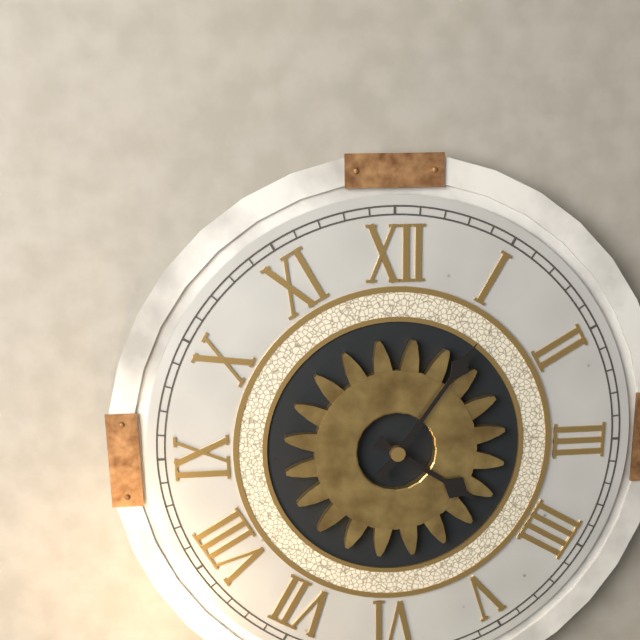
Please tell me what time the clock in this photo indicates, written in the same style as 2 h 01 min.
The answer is 4 h 06 min
